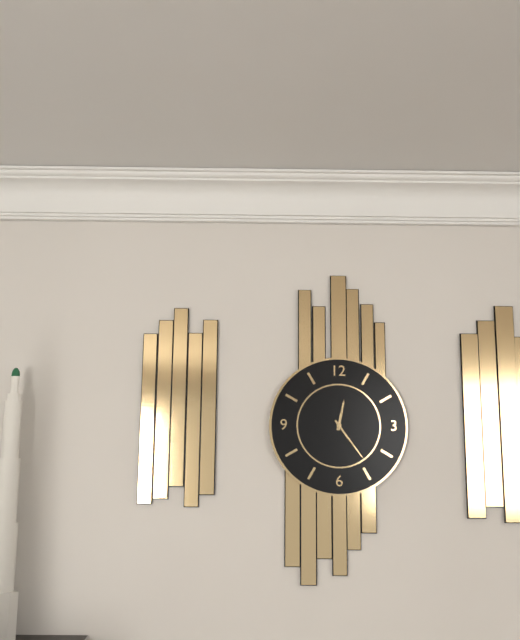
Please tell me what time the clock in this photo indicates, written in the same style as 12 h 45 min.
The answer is 12 h 24 min
